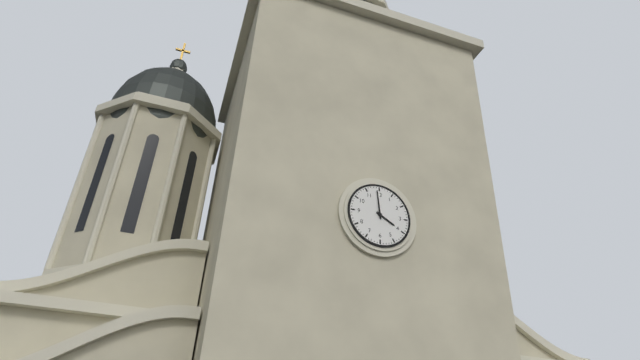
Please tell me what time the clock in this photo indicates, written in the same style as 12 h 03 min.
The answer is 3 h 59 min
